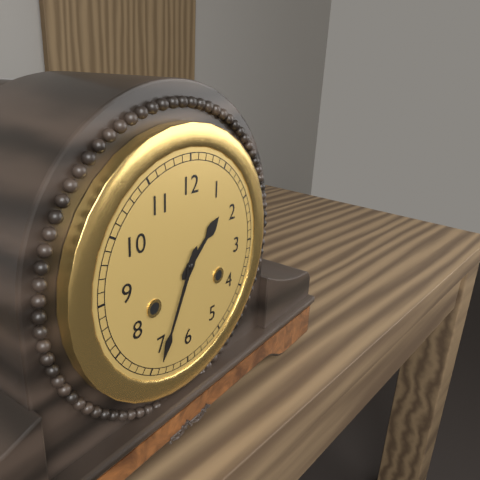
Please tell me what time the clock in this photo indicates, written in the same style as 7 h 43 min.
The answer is 1 h 34 min
